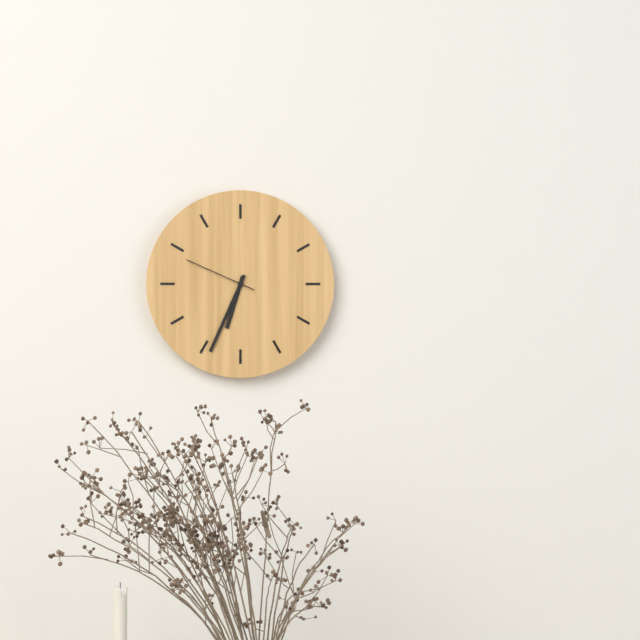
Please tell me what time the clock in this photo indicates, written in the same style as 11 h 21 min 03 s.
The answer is 6 h 34 min 49 s
